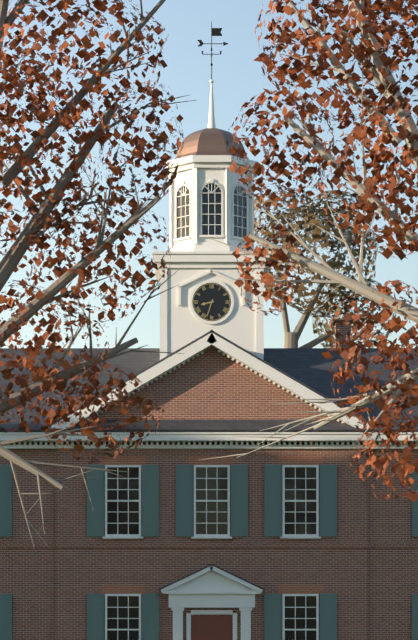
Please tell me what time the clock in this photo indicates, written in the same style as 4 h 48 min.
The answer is 8 h 33 min
